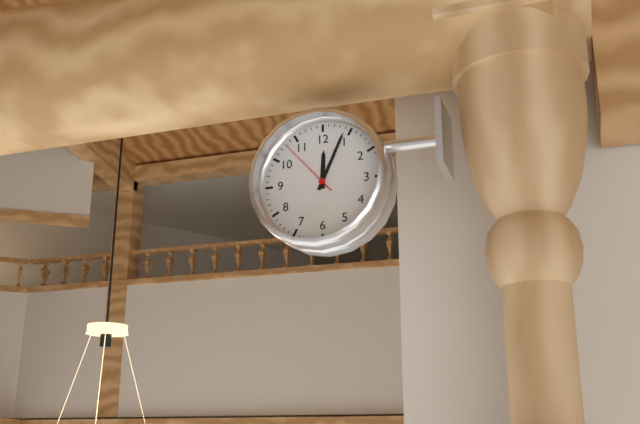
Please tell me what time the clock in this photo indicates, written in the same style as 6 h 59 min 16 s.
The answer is 12 h 04 min 53 s
